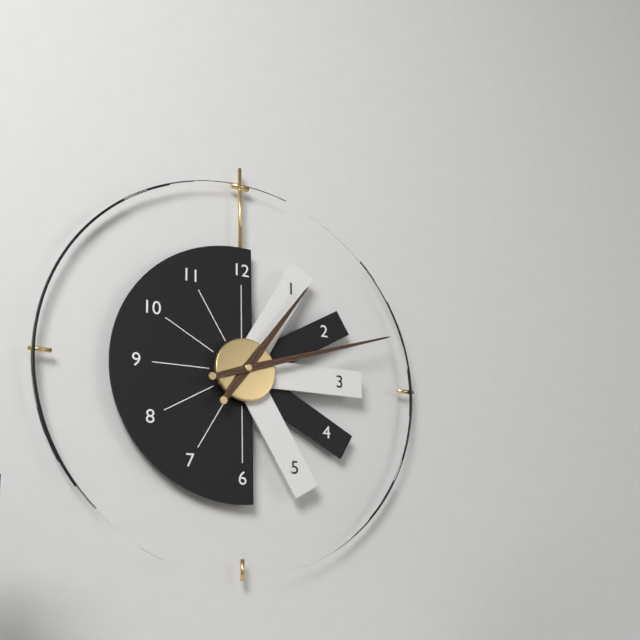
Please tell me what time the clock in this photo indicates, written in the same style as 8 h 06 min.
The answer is 1 h 12 min
